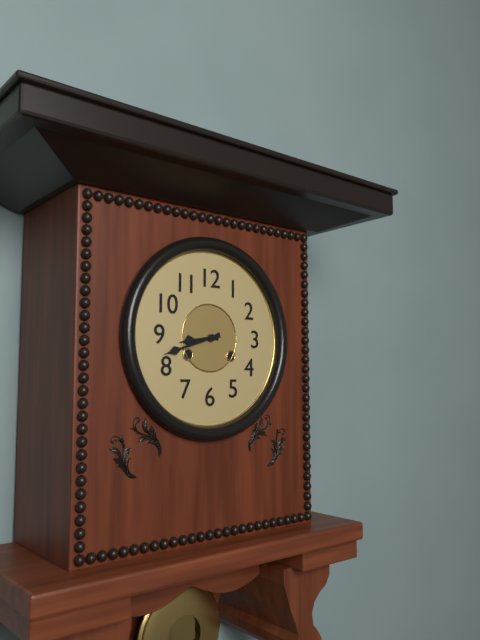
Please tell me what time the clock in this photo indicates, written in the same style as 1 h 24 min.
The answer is 8 h 42 min
